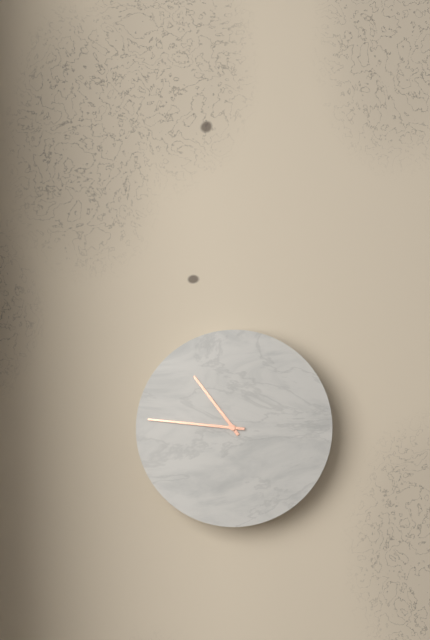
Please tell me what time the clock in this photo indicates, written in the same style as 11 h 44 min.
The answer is 10 h 46 min
